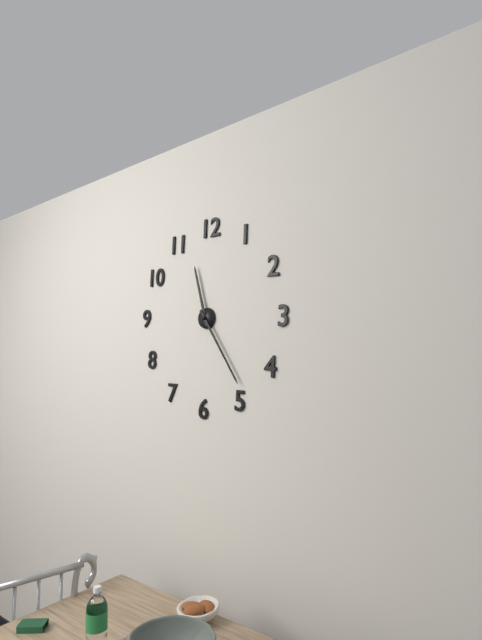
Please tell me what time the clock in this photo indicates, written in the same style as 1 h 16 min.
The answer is 11 h 24 min
